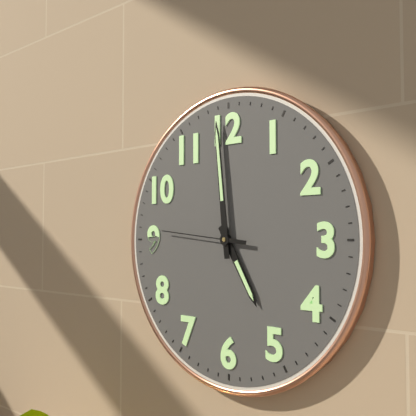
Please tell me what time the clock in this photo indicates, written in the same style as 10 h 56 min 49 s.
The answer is 4 h 59 min 46 s
